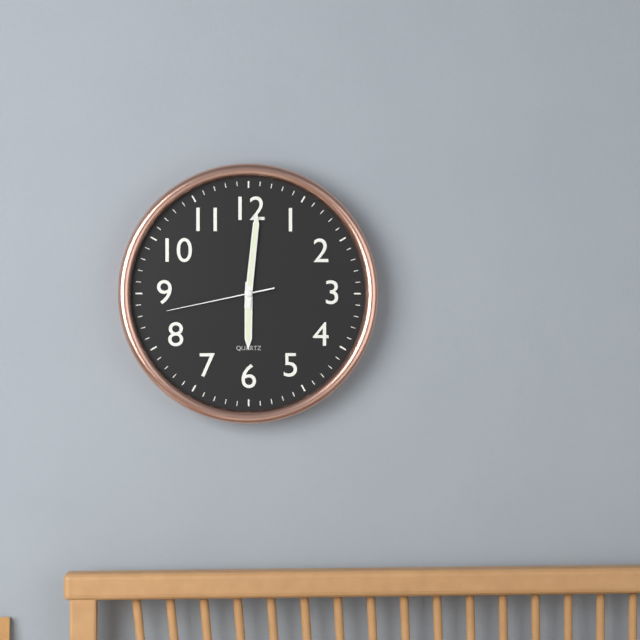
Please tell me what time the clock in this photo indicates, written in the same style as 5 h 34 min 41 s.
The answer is 6 h 01 min 43 s
